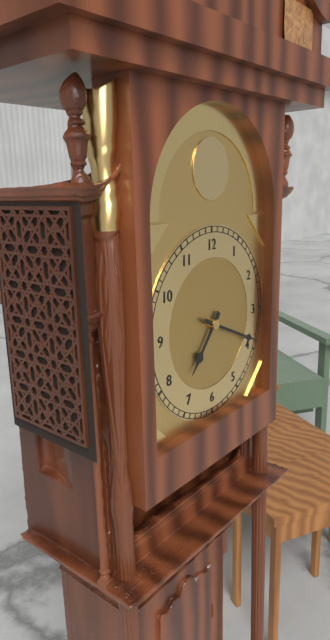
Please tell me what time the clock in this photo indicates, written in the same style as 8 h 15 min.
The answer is 7 h 19 min
